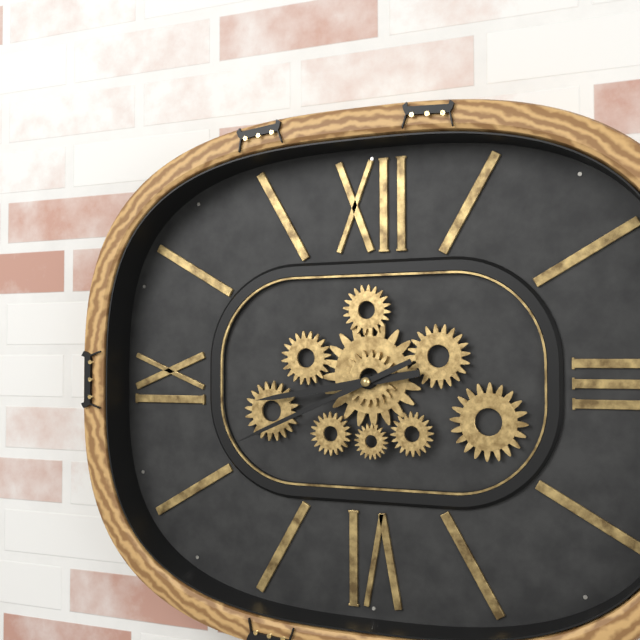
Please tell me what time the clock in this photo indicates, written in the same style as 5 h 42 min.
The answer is 8 h 41 min
